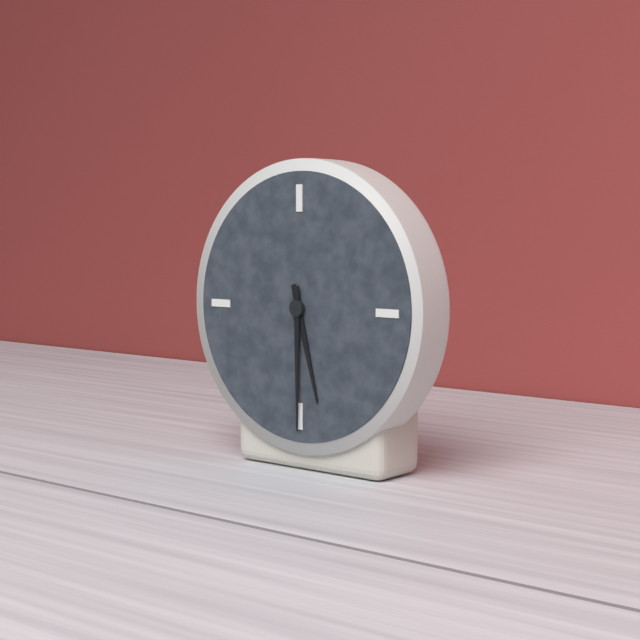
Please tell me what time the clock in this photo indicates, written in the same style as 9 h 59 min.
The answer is 5 h 30 min
